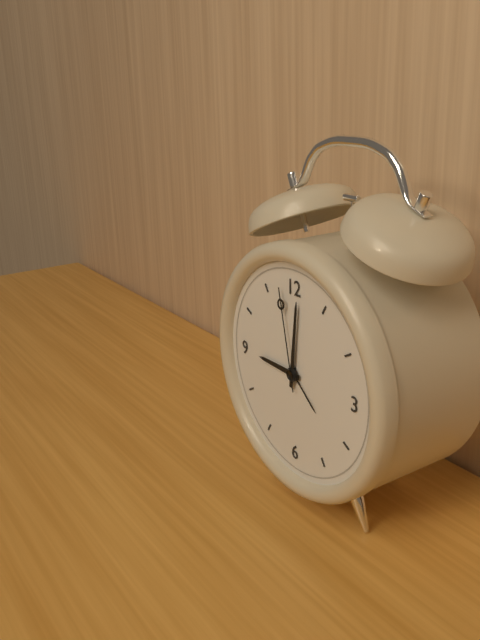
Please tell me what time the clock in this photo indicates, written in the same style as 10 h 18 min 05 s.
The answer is 9 h 01 min 58 s
